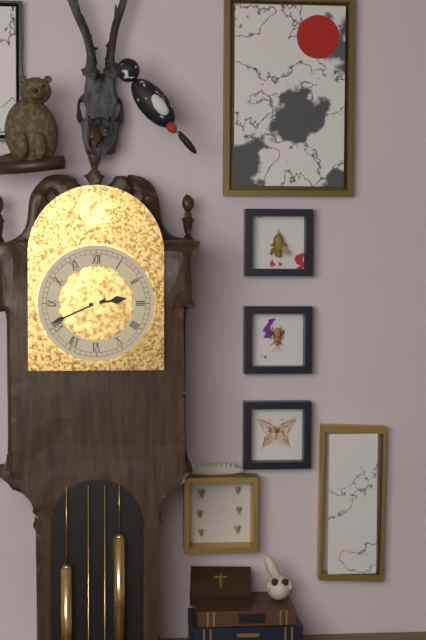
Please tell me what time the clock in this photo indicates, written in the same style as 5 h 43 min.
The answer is 2 h 41 min
